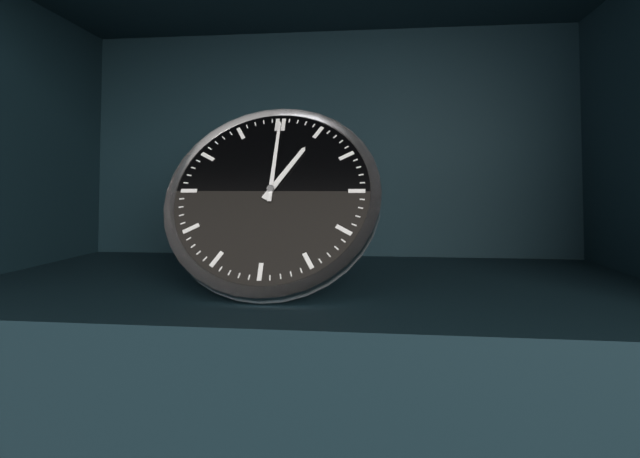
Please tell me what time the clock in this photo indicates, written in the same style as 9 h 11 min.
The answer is 1 h 00 min
